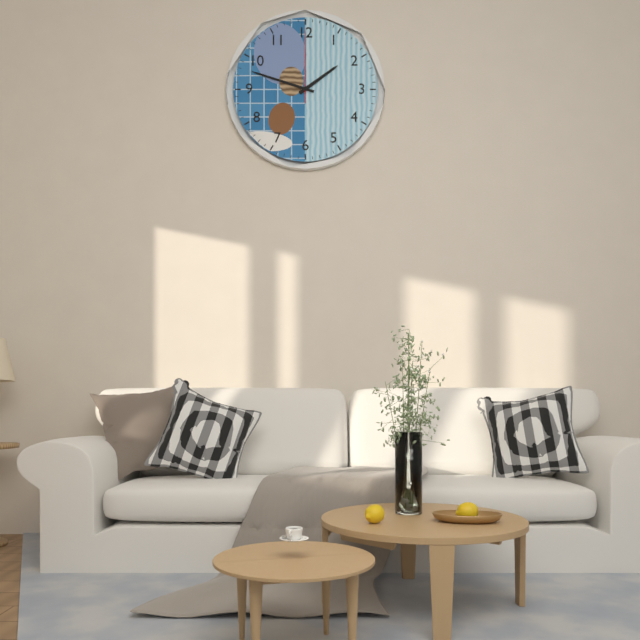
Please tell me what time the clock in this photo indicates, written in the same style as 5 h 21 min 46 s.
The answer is 1 h 48 min 00 s
